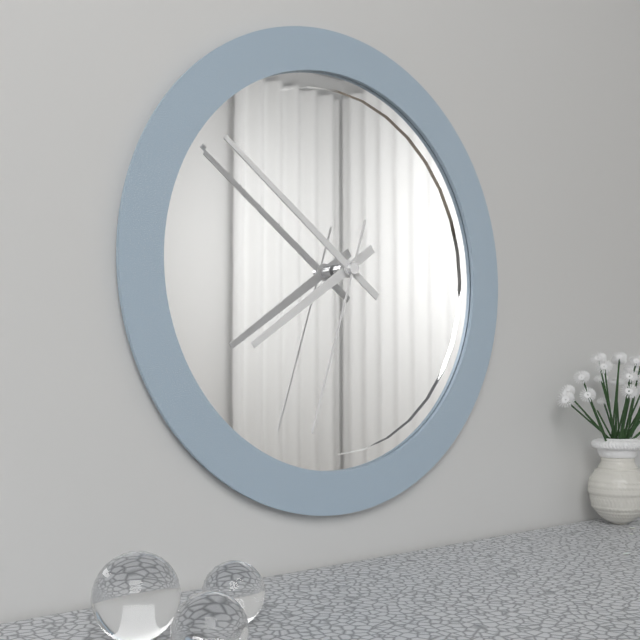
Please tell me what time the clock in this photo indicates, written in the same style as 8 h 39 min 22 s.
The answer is 7 h 51 min 33 s
